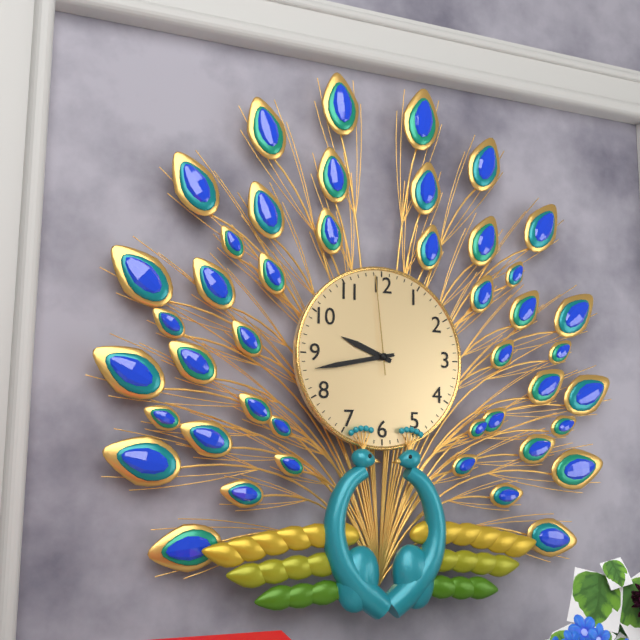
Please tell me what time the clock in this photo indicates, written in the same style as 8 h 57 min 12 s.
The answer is 9 h 43 min 59 s
